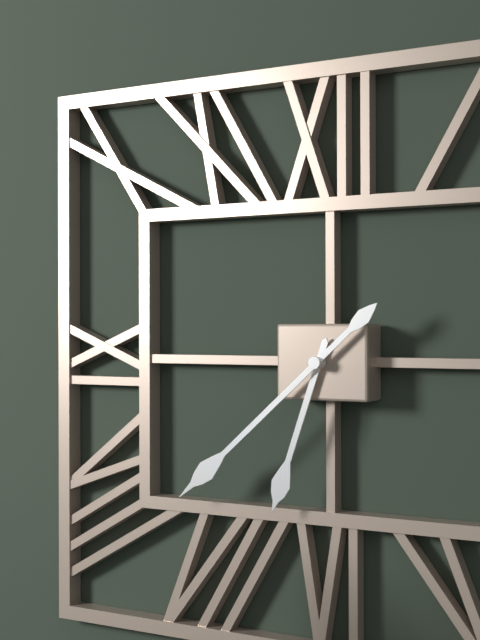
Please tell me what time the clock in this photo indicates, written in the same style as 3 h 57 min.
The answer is 6 h 38 min
